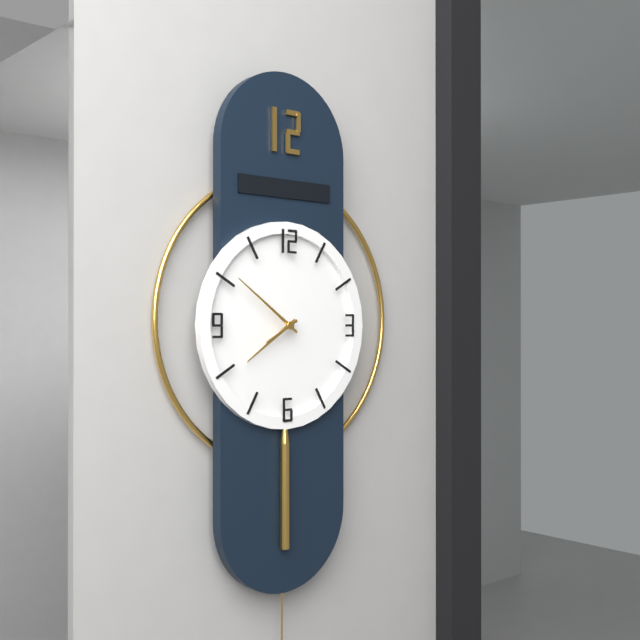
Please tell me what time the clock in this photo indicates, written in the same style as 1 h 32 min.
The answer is 7 h 51 min
